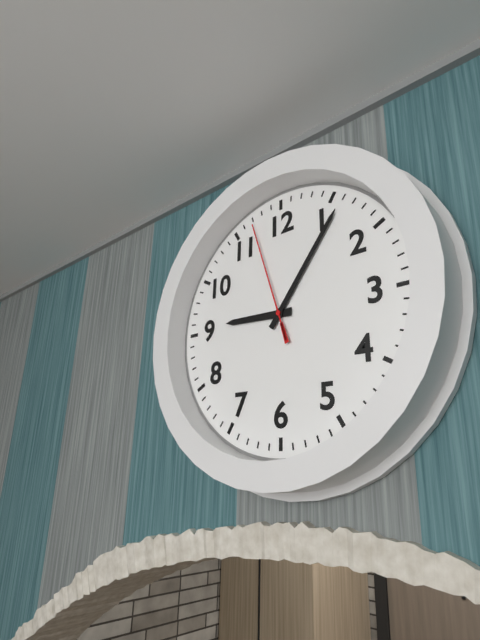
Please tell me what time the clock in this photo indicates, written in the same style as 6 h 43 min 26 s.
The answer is 9 h 06 min 57 s
